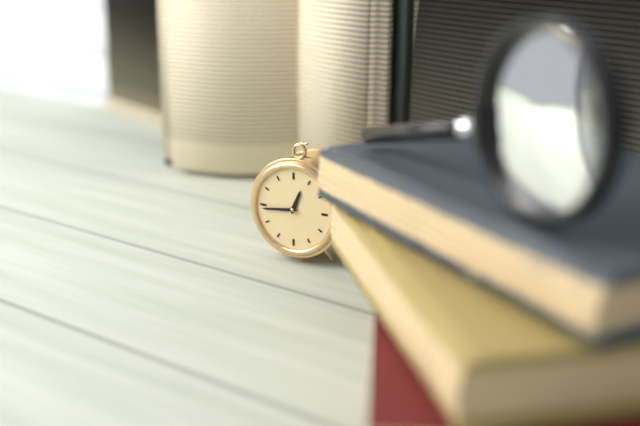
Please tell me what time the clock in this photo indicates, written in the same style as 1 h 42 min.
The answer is 12 h 44 min
